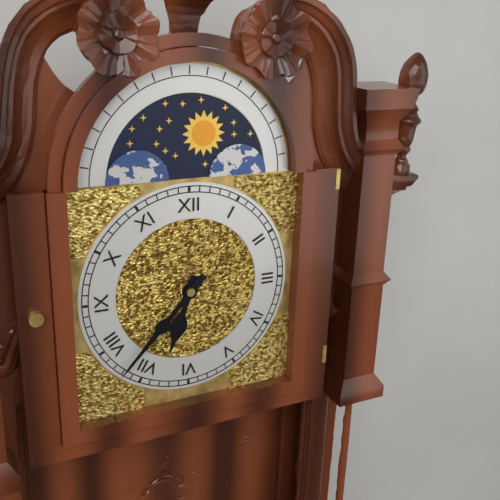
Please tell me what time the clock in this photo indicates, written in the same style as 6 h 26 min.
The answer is 6 h 37 min
